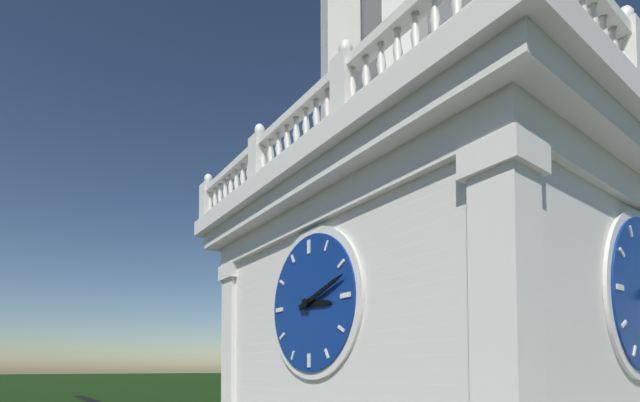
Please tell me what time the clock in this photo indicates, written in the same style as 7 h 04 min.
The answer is 3 h 12 min
